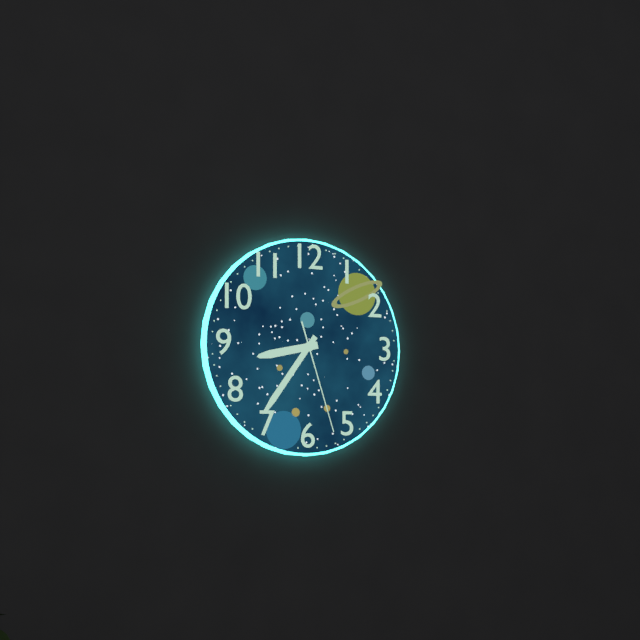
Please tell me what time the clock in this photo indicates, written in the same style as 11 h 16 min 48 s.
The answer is 8 h 36 min 27 s
